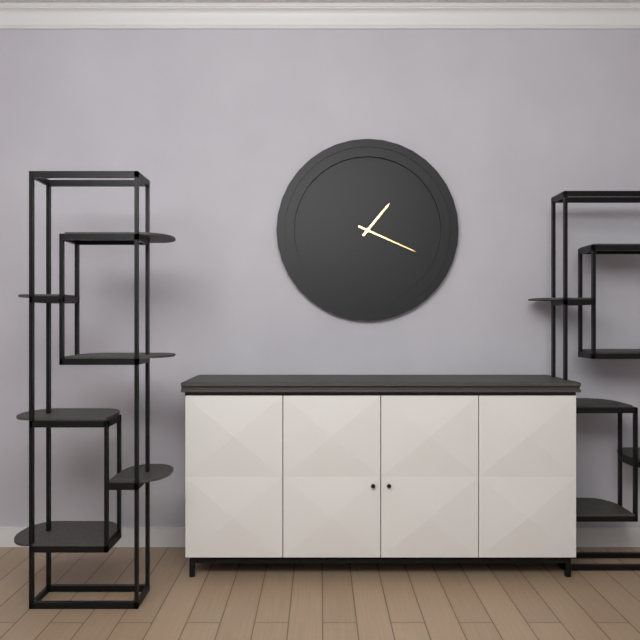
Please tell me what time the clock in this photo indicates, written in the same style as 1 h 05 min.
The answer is 1 h 19 min
